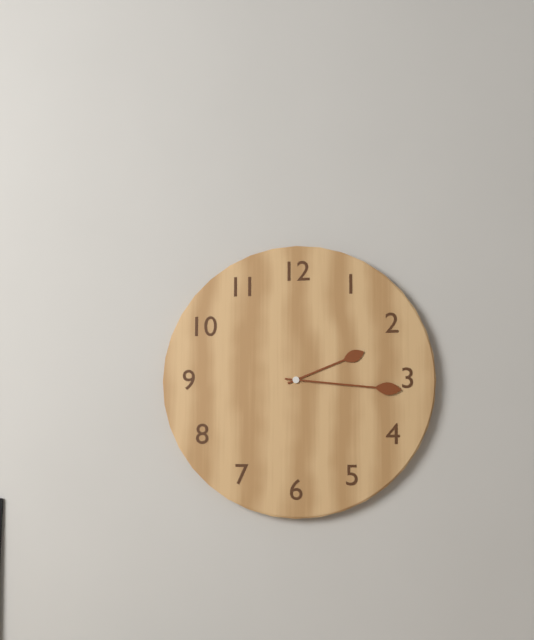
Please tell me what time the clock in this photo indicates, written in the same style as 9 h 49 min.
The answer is 2 h 16 min
